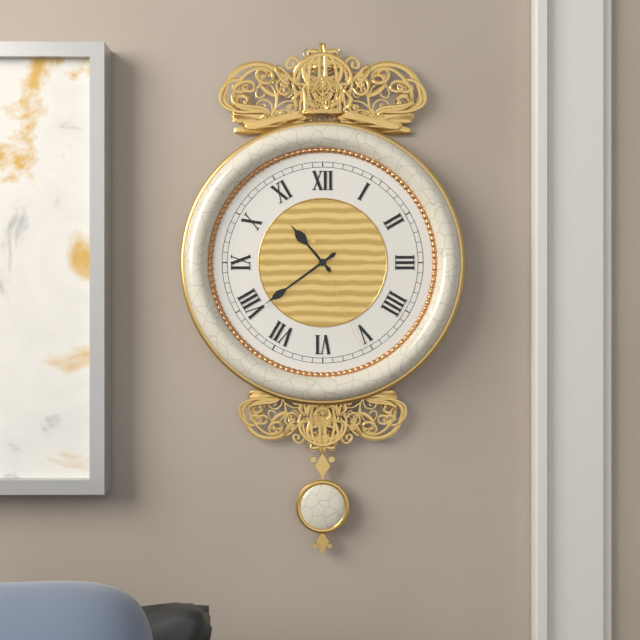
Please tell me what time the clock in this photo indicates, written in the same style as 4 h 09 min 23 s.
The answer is 10 h 39 min 26 s
